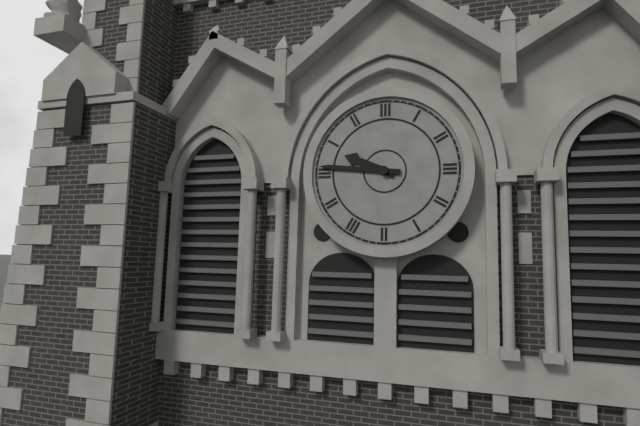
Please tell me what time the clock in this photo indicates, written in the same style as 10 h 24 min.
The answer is 9 h 46 min
